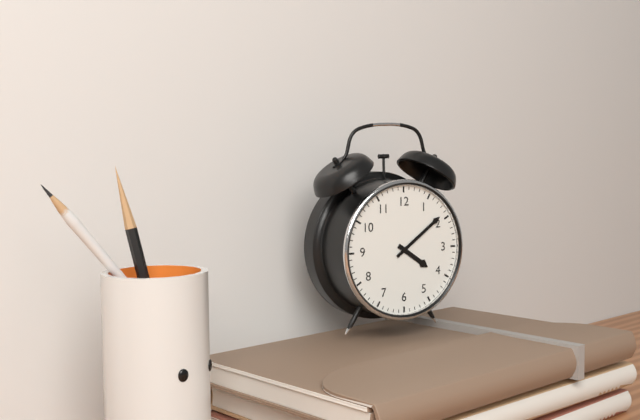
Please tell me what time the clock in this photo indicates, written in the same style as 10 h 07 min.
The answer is 4 h 09 min
